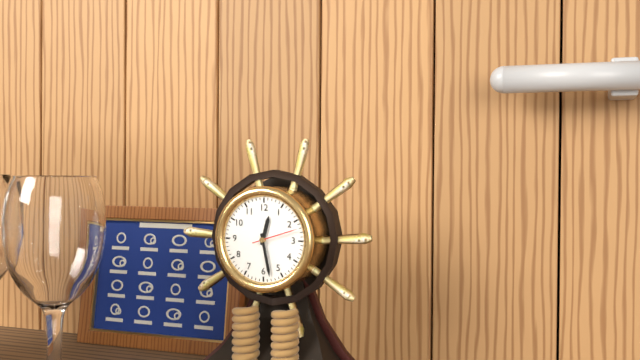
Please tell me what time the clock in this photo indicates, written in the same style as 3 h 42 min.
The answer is 12 h 28 min
